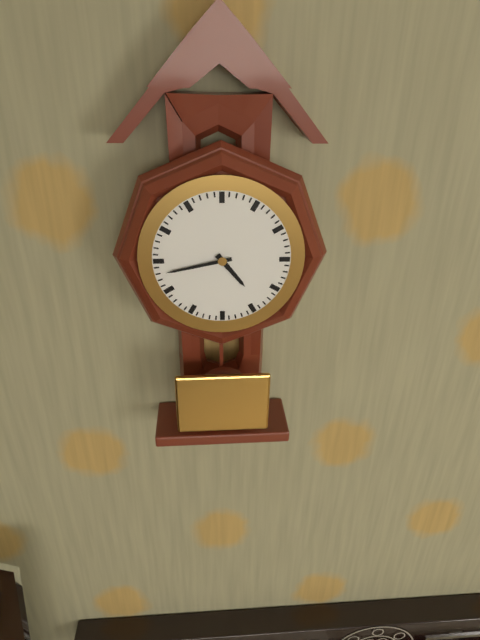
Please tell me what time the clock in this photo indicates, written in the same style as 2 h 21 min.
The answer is 4 h 43 min
